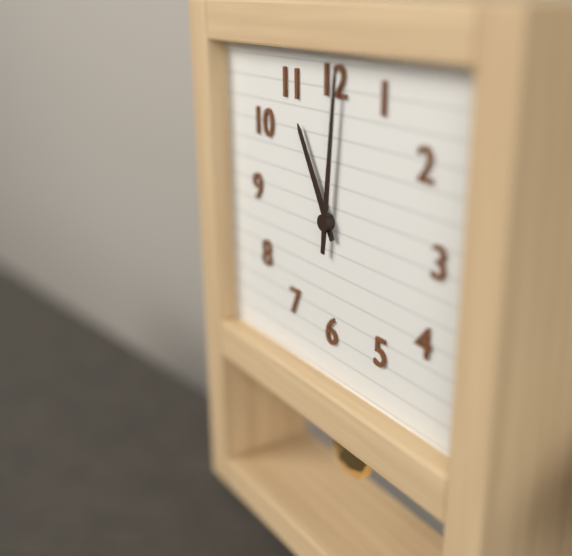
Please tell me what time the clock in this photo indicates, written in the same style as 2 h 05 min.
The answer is 11 h 01 min
